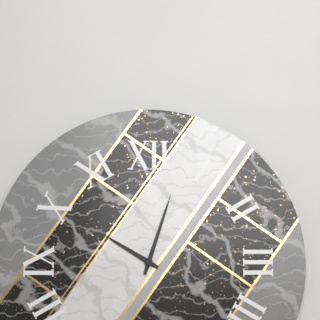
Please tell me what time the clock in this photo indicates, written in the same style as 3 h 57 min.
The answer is 10 h 03 min
